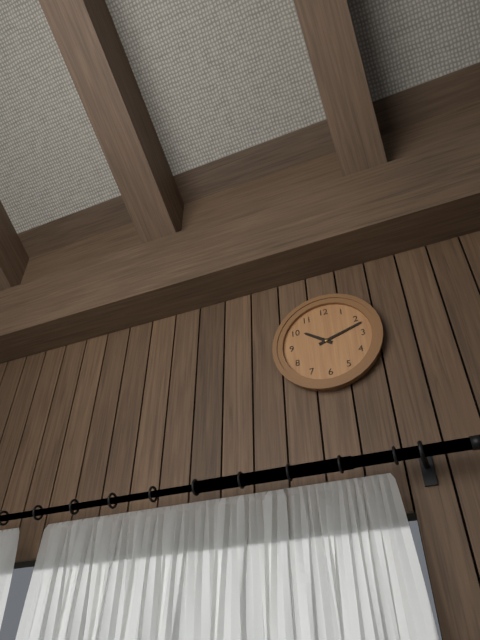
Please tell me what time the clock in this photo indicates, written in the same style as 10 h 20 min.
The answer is 10 h 12 min
